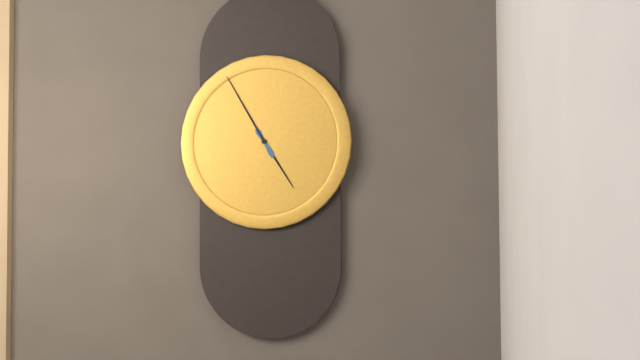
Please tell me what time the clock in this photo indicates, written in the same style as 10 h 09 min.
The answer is 4 h 55 min
